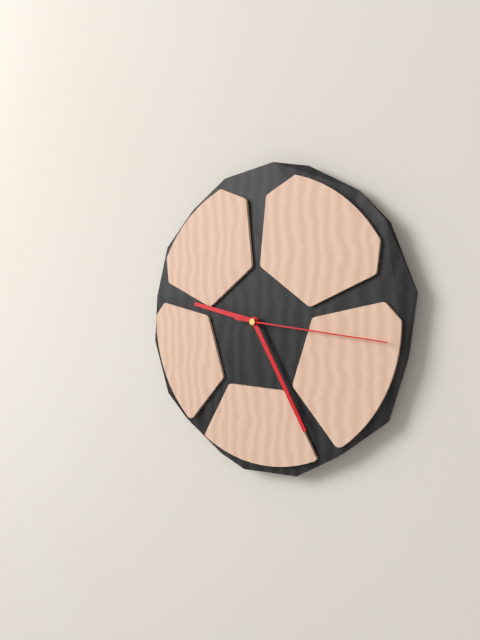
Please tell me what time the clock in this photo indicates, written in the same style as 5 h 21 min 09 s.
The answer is 9 h 25 min 16 s
